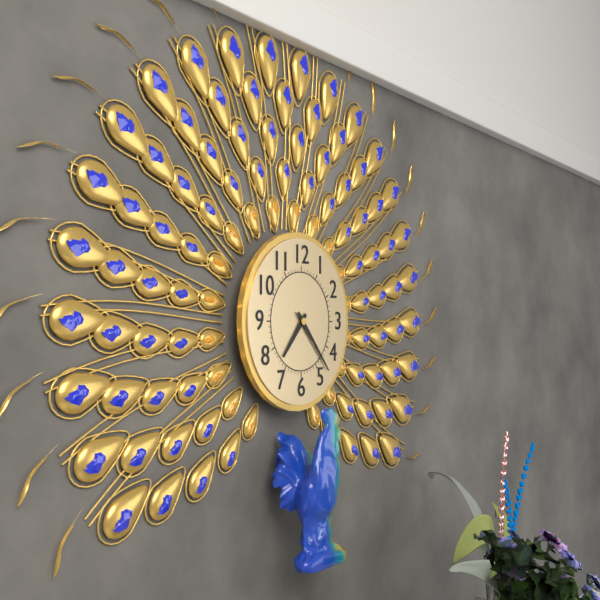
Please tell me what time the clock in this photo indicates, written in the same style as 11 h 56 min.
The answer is 7 h 23 min
